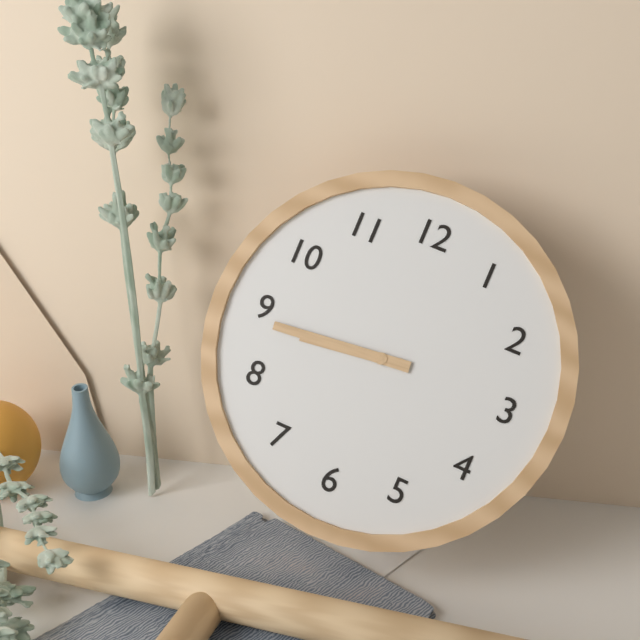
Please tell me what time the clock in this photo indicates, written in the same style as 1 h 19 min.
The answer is 8 h 44 min
